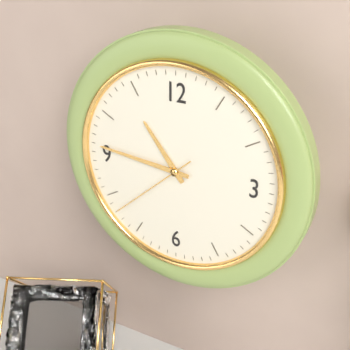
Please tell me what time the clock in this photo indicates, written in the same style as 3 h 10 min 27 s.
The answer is 10 h 46 min 38 s
